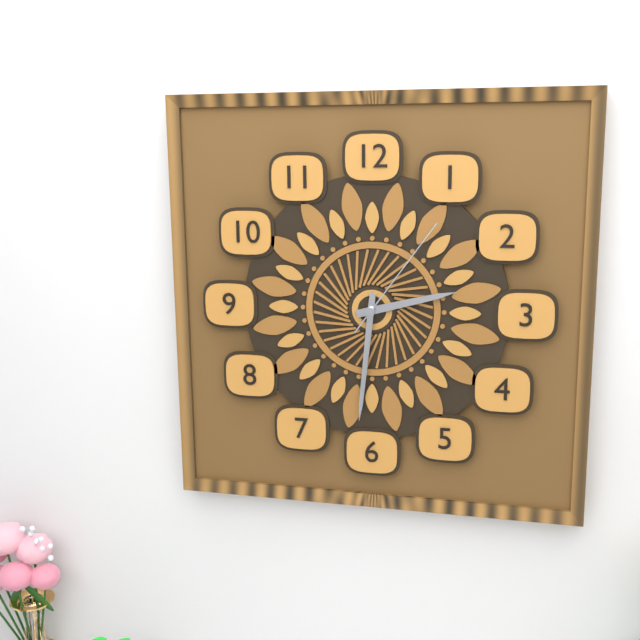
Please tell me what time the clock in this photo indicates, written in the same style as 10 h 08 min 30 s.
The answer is 2 h 31 min 06 s
